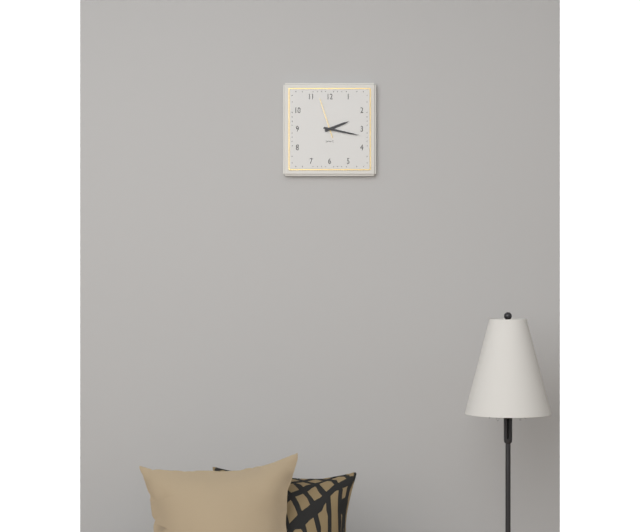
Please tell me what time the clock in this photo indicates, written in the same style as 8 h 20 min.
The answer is 2 h 17 min
